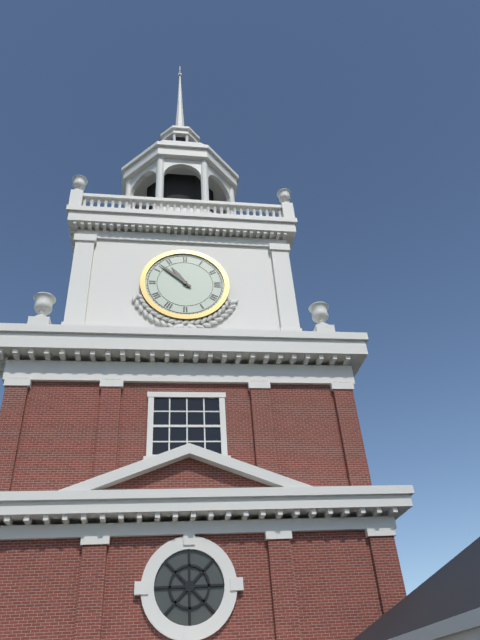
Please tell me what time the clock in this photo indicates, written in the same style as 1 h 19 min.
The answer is 10 h 52 min
